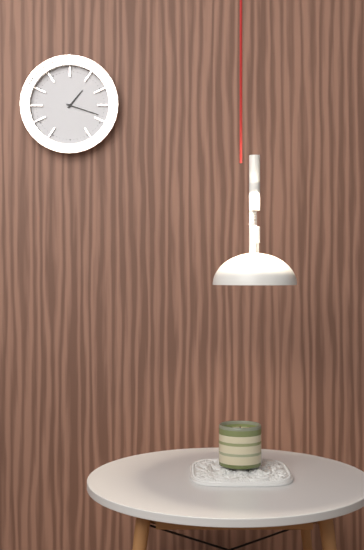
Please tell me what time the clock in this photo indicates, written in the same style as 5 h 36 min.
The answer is 1 h 18 min
